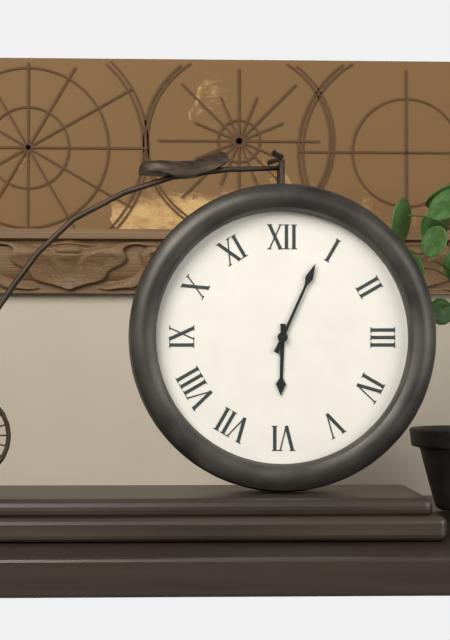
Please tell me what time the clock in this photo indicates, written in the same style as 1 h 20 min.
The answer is 6 h 04 min
